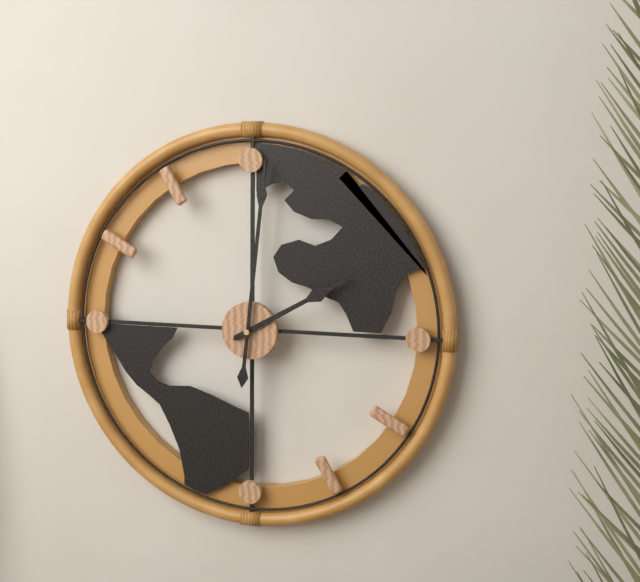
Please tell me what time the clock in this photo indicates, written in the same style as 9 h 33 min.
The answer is 2 h 01 min
